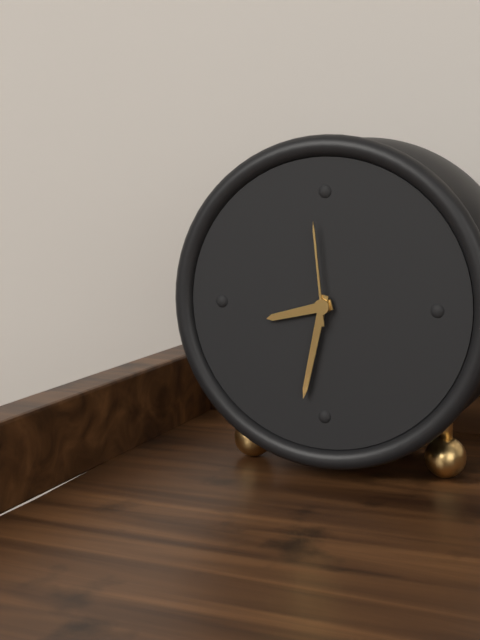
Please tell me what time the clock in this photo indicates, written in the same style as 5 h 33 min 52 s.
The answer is 8 h 32 min 59 s
